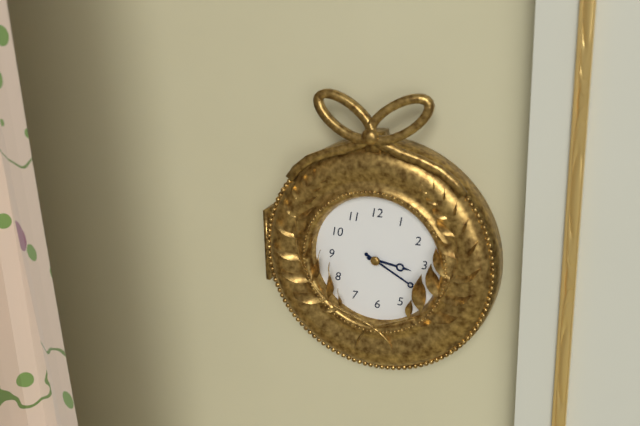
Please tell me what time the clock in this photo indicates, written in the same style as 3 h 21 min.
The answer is 3 h 20 min
